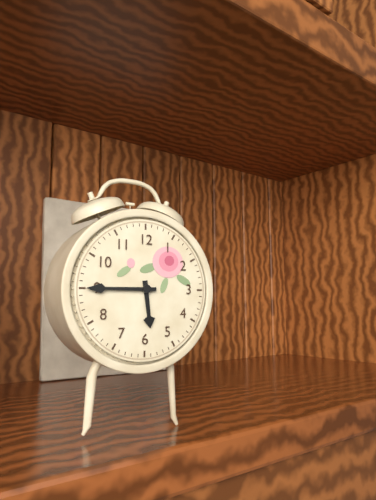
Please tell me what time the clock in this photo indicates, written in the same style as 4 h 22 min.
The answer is 5 h 45 min
